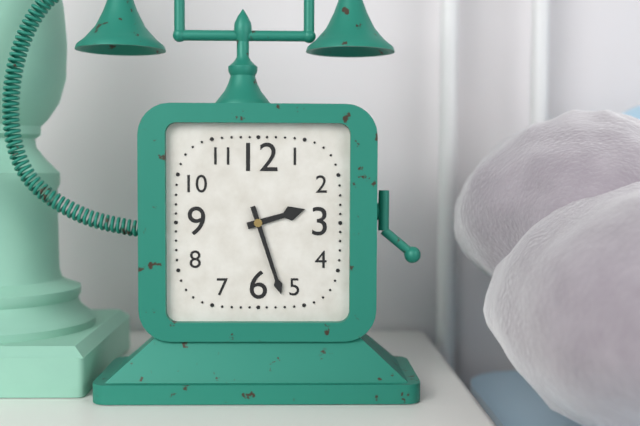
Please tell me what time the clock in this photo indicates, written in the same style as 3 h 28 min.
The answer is 2 h 27 min
